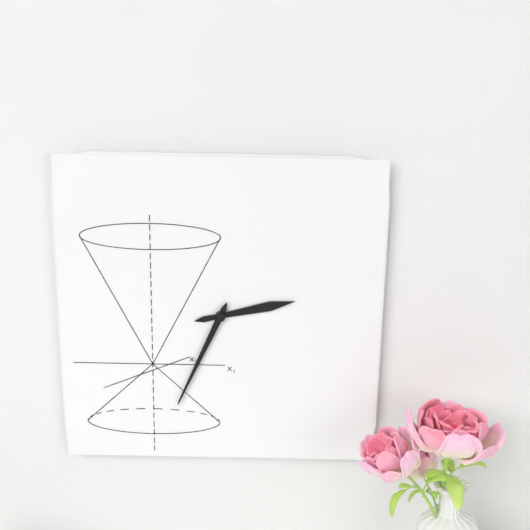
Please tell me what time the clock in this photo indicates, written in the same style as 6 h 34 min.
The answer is 2 h 34 min
